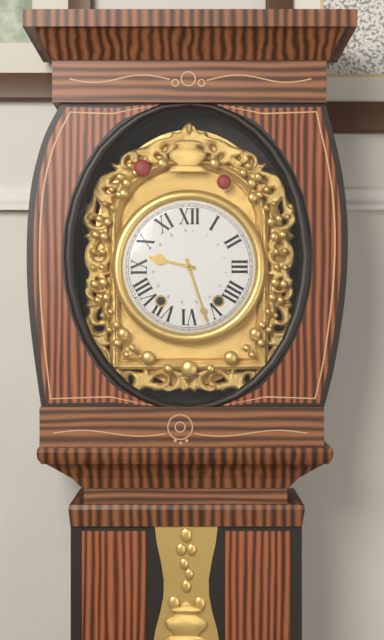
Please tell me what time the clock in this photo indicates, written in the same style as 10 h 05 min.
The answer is 9 h 27 min
